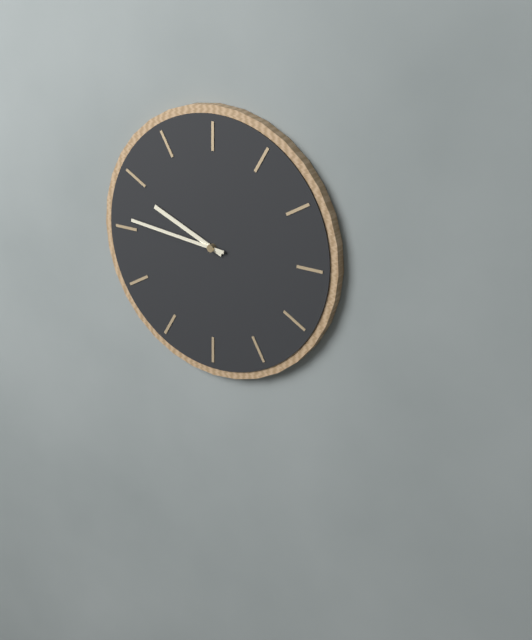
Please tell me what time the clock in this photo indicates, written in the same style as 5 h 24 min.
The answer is 9 h 46 min
